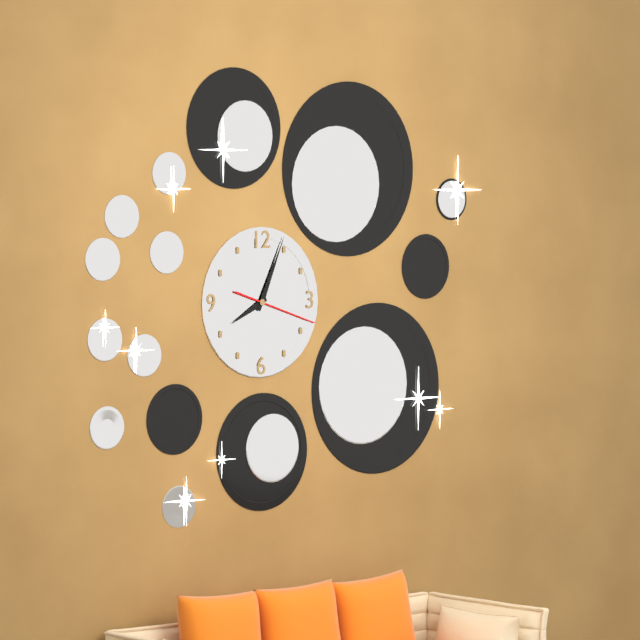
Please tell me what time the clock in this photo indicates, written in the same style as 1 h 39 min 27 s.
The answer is 8 h 04 min 18 s
